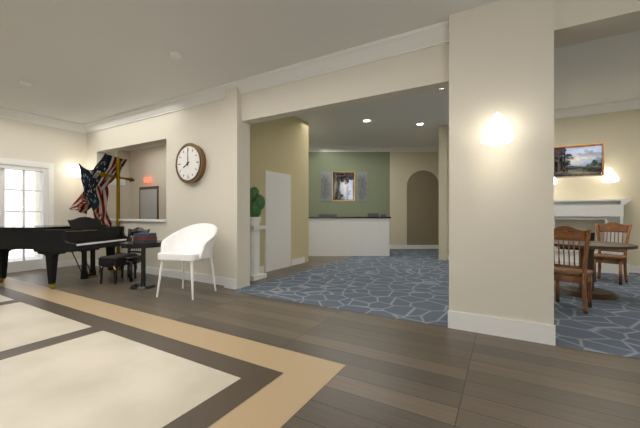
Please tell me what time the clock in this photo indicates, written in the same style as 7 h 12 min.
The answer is 8 h 00 min
